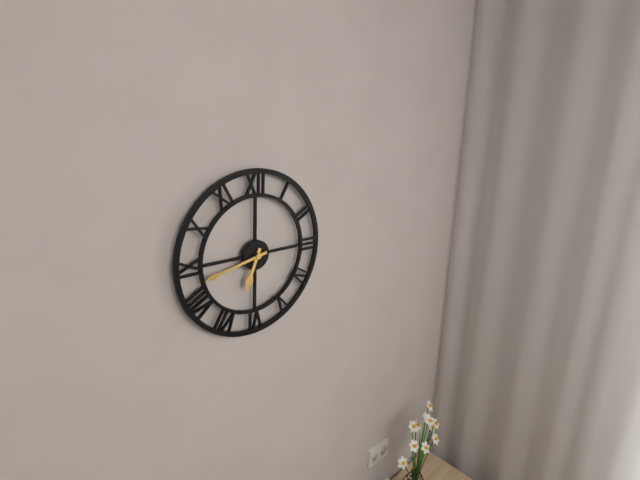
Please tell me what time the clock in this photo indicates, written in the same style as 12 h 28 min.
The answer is 6 h 43 min
